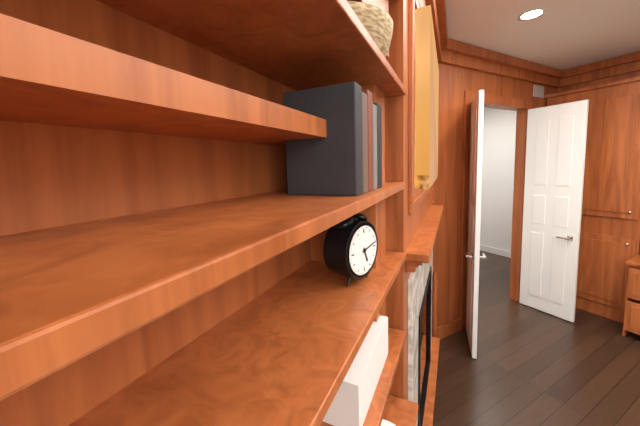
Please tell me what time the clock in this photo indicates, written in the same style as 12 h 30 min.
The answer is 5 h 13 min
